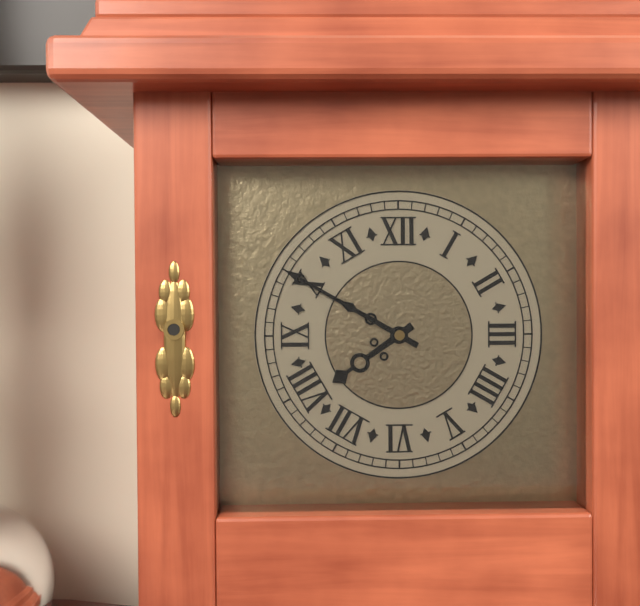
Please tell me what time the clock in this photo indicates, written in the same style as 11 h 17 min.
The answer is 7 h 50 min
